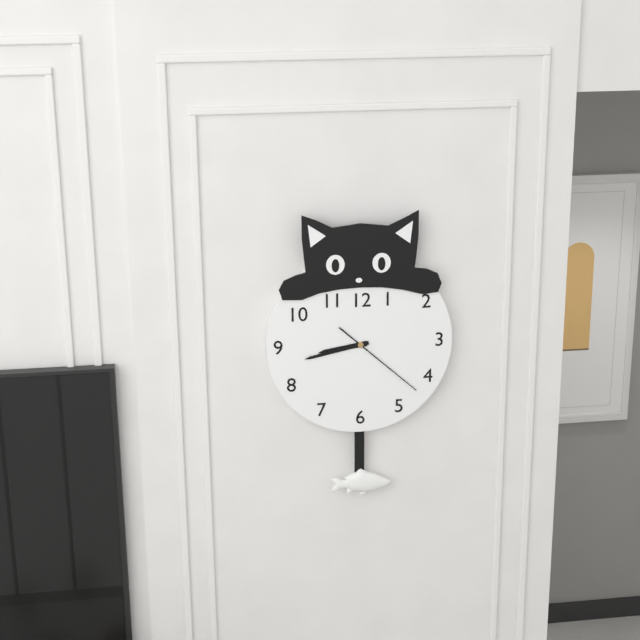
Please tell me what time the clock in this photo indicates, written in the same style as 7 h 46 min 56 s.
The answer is 8 h 43 min 22 s
